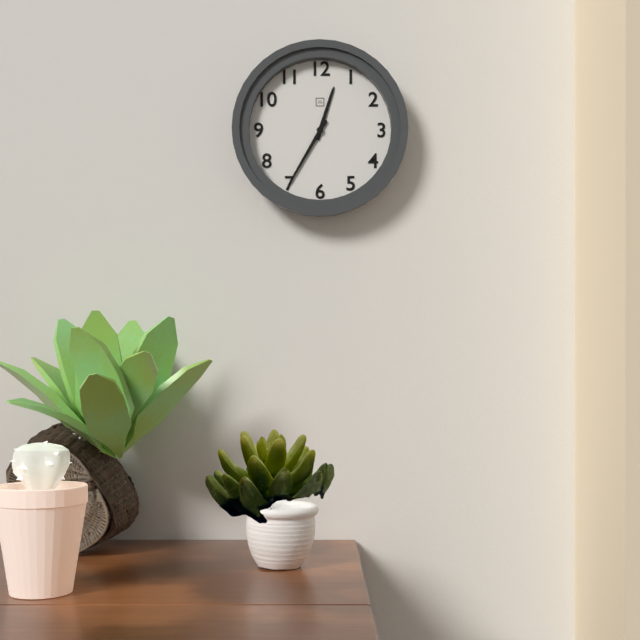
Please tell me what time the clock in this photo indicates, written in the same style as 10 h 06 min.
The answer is 12 h 35 min
